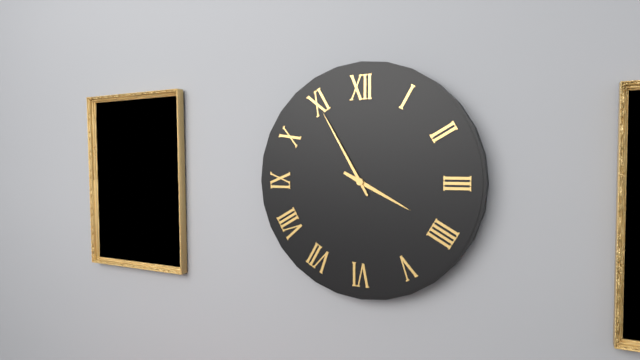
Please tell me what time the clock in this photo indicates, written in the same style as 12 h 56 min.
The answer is 3 h 55 min
